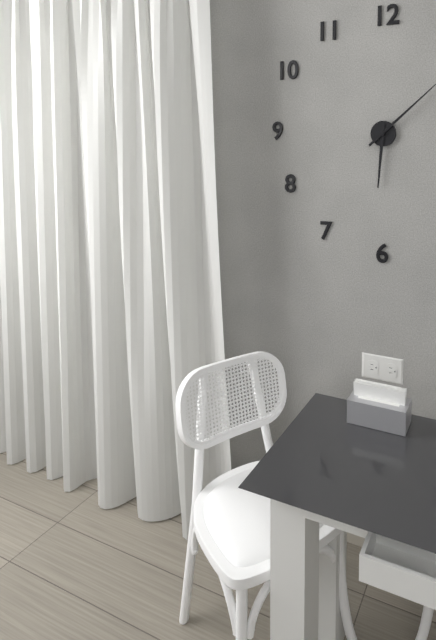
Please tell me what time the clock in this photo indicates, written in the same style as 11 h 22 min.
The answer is 6 h 08 min
